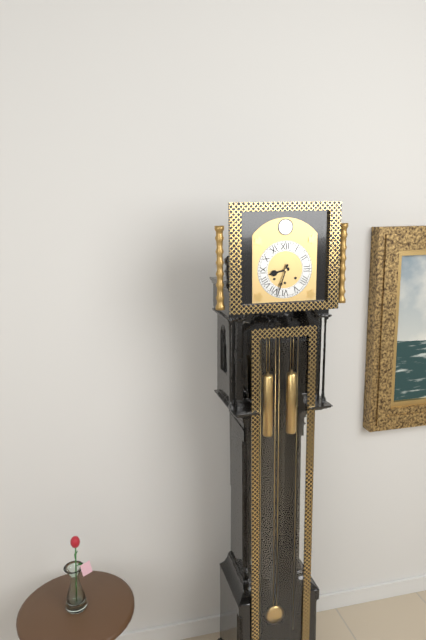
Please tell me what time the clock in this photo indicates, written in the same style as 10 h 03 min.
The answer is 8 h 33 min
